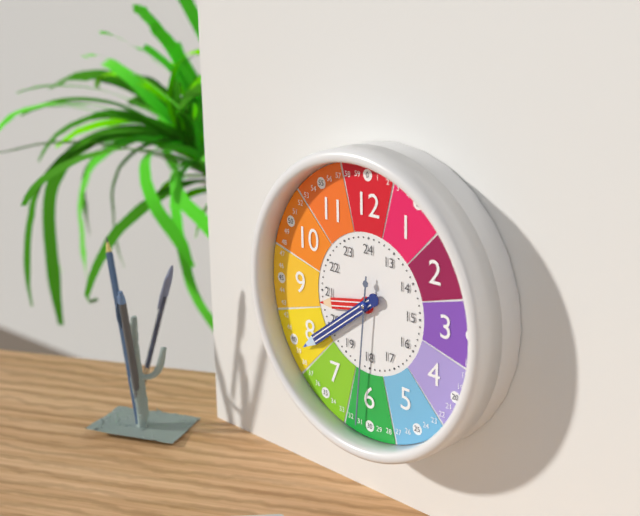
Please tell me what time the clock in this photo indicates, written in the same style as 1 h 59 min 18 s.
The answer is 8 h 39 min 31 s
